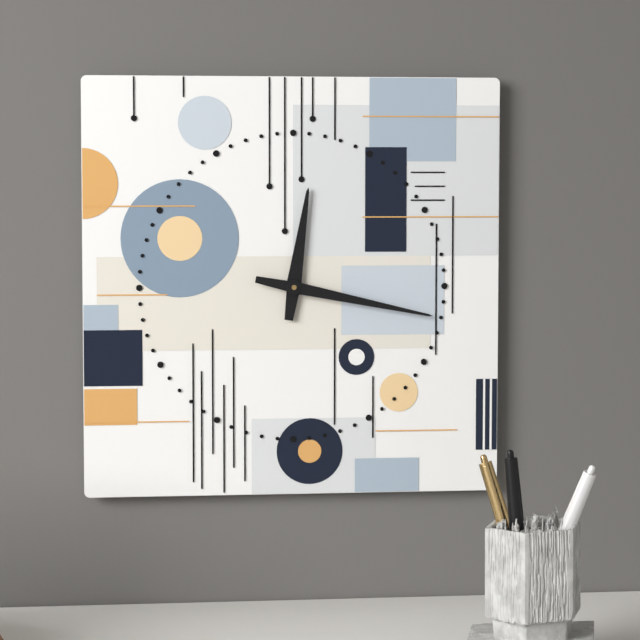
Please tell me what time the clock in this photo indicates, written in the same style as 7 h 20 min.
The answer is 12 h 17 min
